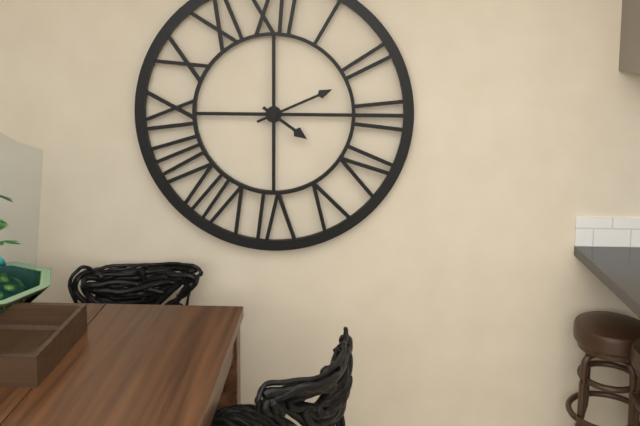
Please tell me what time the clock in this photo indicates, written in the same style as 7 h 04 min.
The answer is 4 h 11 min
